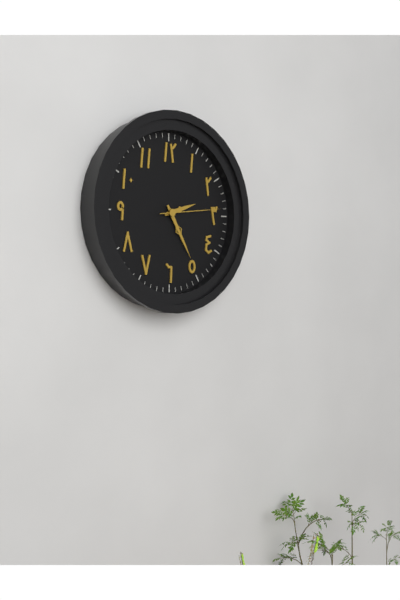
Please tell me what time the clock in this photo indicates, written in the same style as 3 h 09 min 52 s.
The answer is 2 h 25 min 14 s
